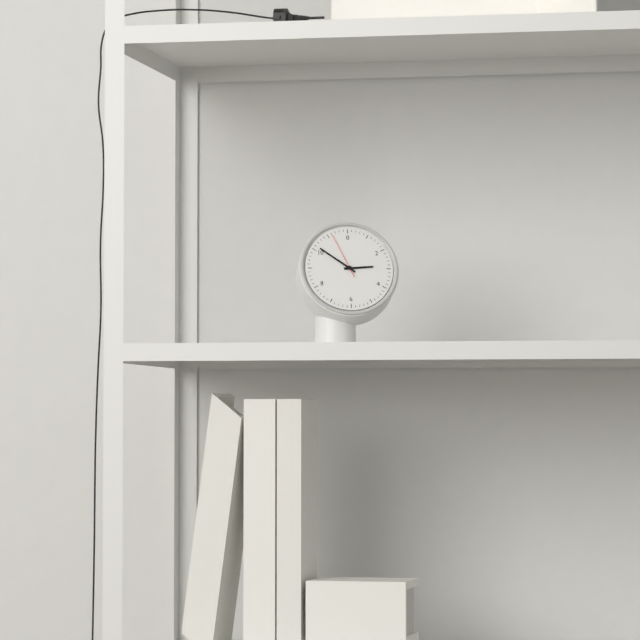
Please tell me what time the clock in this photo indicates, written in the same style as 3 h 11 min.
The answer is 2 h 51 min
